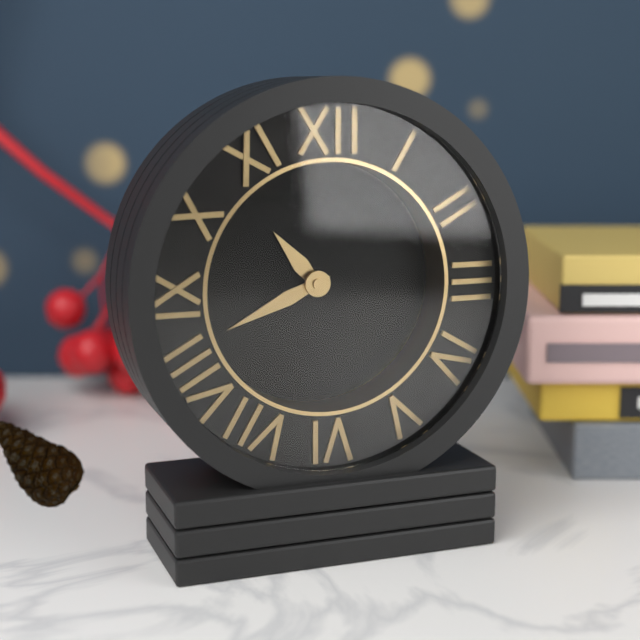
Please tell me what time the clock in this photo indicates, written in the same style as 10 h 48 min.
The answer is 10 h 41 min
